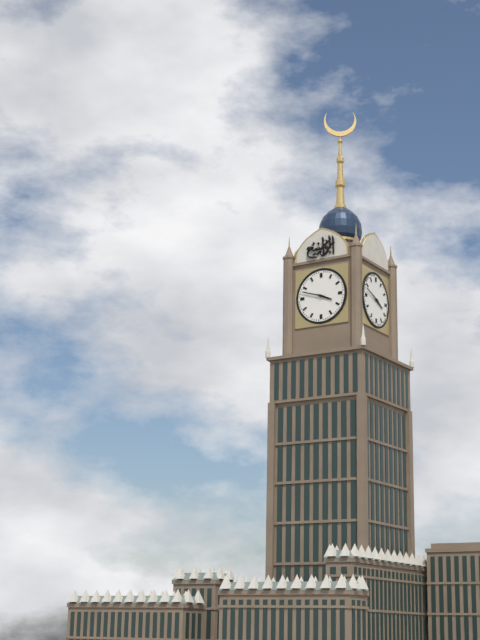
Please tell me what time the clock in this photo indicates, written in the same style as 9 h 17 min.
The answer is 3 h 48 min
